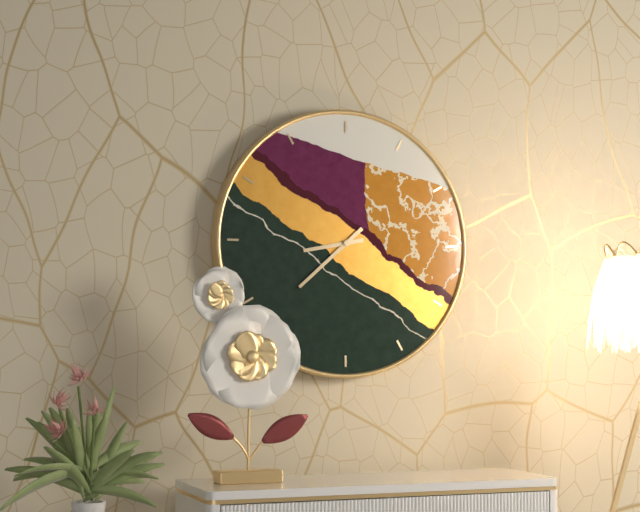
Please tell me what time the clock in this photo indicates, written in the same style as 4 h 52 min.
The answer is 8 h 38 min
